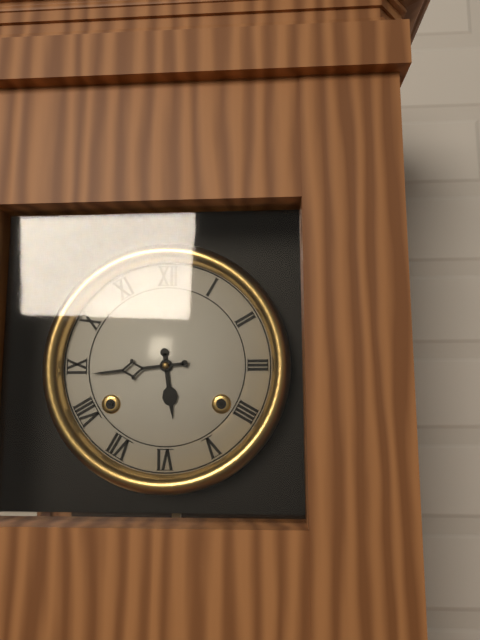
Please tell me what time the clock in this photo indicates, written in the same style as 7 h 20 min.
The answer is 5 h 44 min
